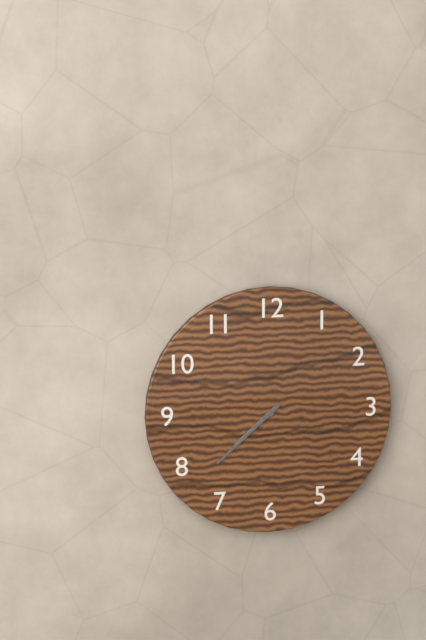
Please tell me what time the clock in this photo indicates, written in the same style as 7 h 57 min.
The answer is 7 h 38 min
